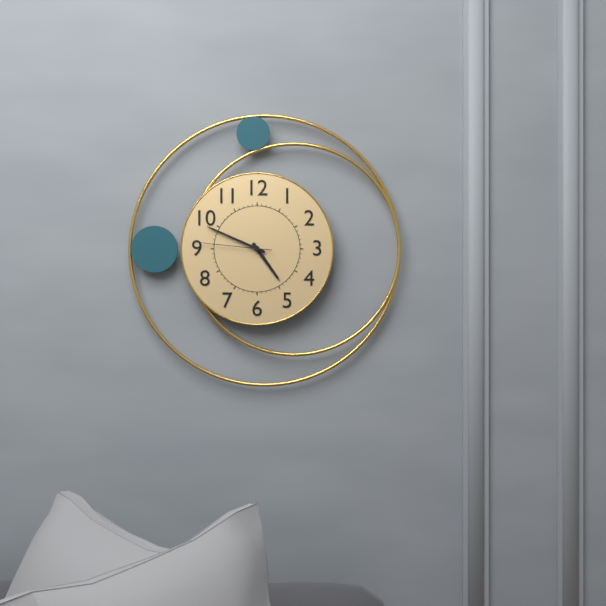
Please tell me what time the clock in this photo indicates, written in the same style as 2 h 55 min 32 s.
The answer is 4 h 49 min 46 s
